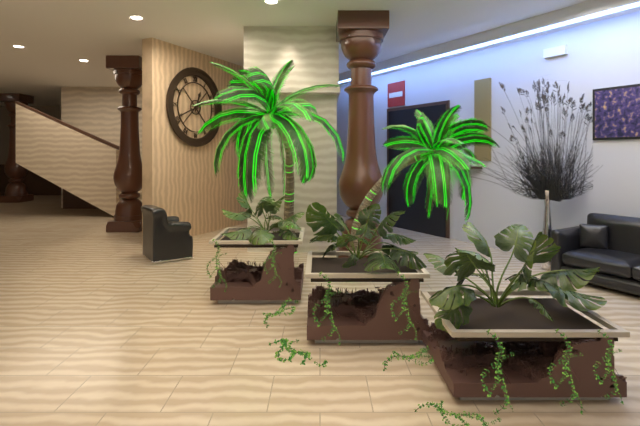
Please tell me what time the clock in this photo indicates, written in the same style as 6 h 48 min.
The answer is 12 h 41 min
